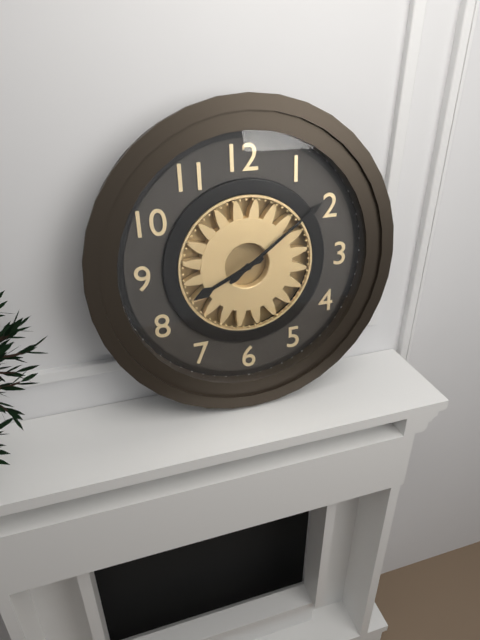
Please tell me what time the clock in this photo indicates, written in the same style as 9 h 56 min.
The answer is 8 h 09 min
